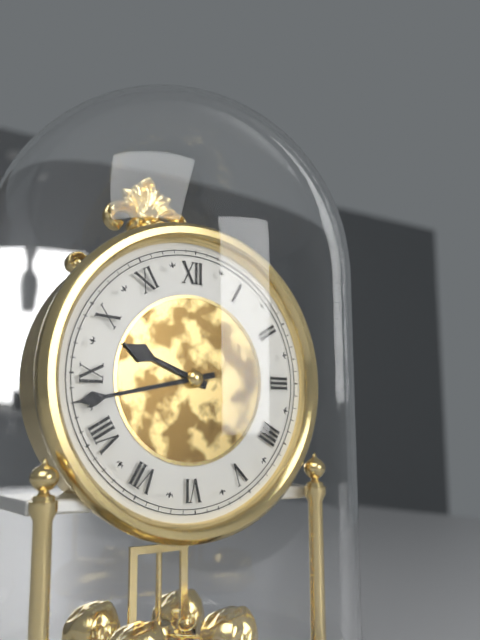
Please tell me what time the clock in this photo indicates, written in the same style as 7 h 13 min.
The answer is 9 h 43 min
